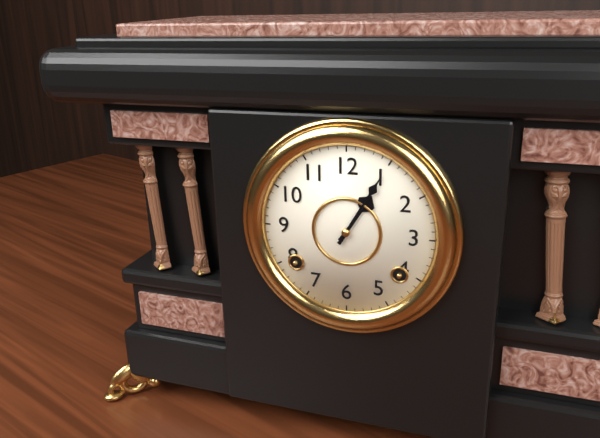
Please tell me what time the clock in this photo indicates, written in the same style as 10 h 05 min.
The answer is 1 h 05 min
